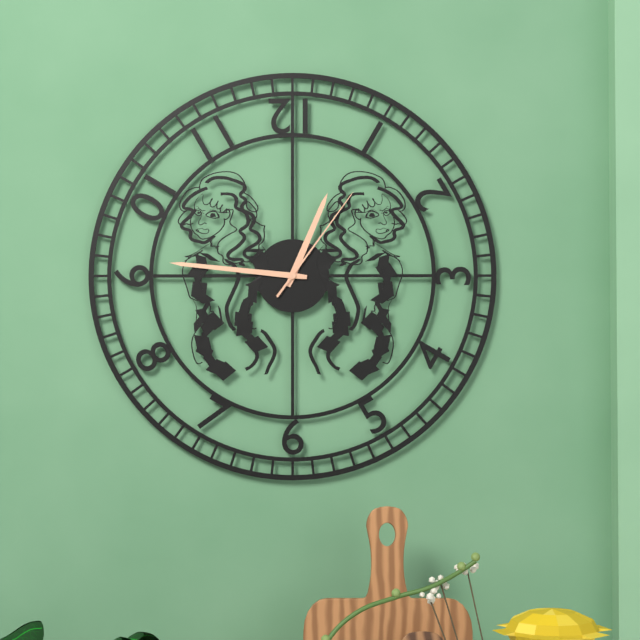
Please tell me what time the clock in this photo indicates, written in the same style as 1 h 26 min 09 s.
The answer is 12 h 46 min 06 s
